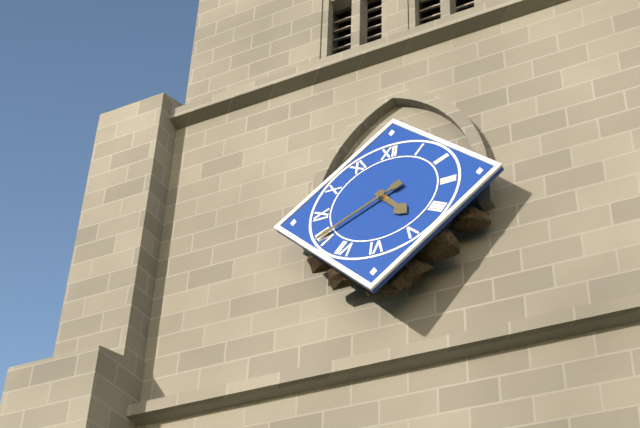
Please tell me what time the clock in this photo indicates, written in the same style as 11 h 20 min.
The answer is 4 h 40 min
